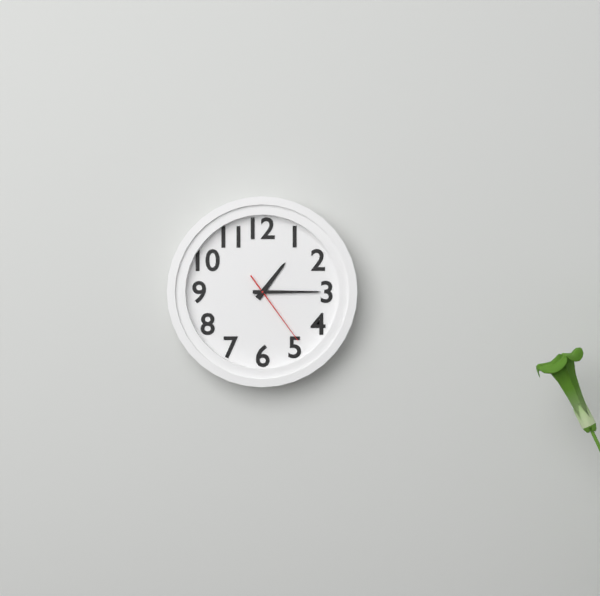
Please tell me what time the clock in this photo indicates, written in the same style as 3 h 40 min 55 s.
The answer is 1 h 15 min 24 s
